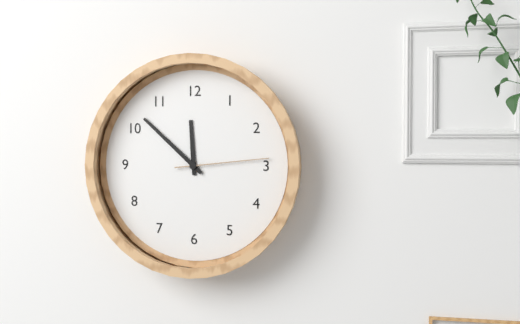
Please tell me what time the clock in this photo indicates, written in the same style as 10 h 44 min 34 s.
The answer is 11 h 52 min 14 s
